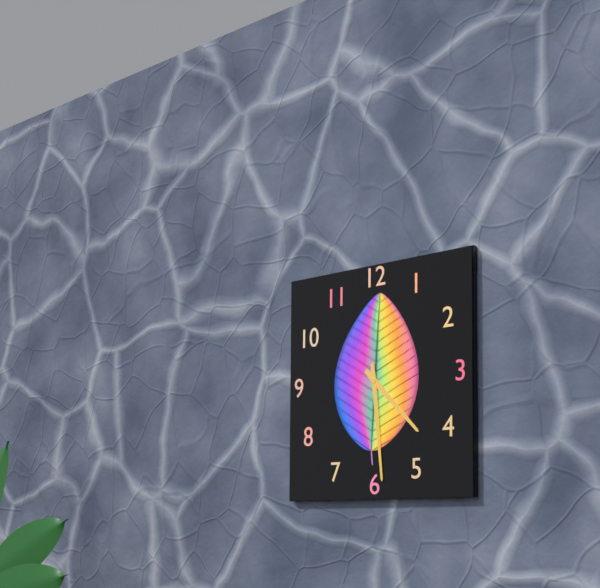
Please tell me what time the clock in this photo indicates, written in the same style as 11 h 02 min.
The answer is 4 h 29 min
